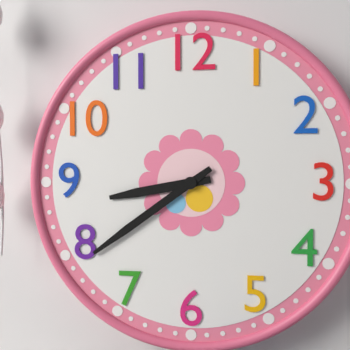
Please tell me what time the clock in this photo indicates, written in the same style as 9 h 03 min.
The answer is 8 h 39 min
